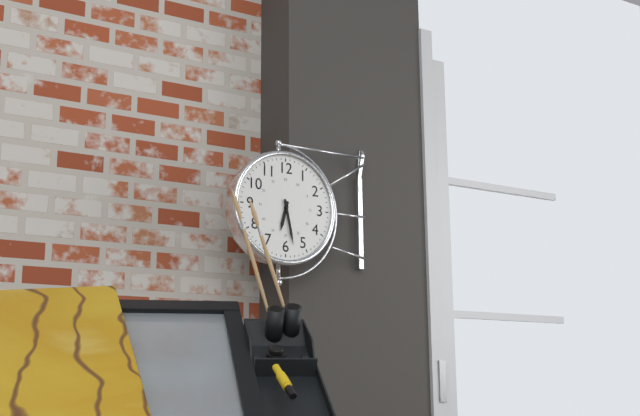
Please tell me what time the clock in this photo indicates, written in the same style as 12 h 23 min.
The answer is 6 h 28 min
